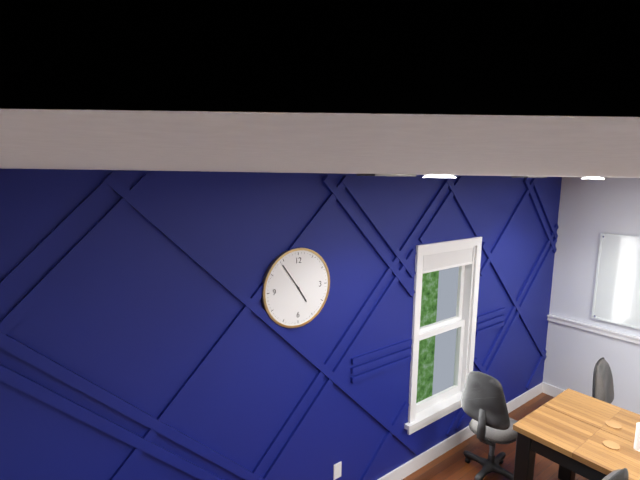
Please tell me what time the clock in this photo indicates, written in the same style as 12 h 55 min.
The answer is 4 h 54 min
